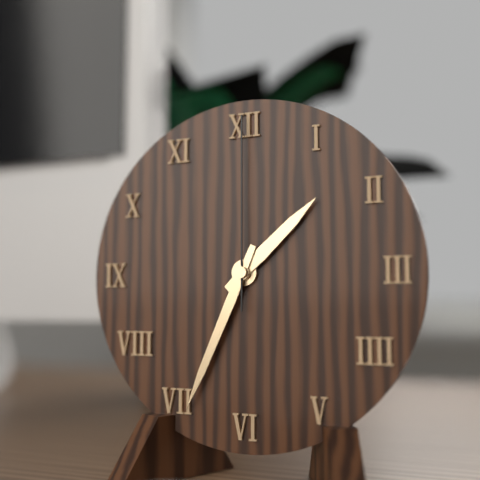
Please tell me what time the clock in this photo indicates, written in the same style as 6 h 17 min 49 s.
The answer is 1 h 34 min 00 s
